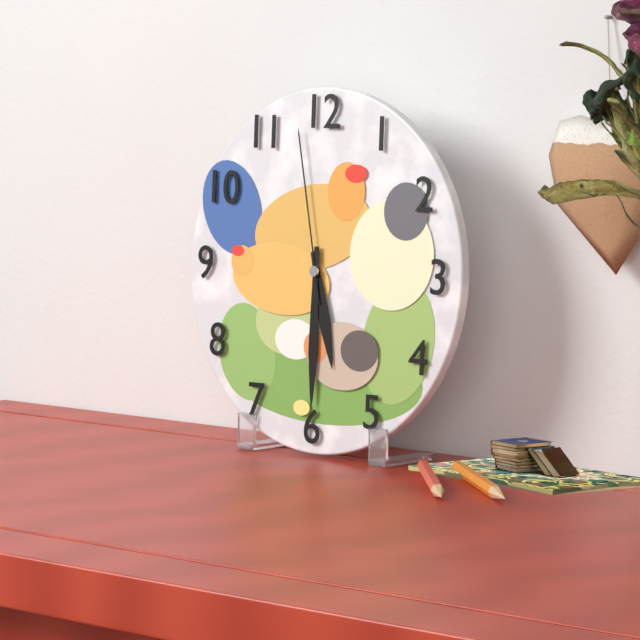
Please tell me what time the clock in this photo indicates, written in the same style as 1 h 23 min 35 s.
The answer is 5 h 30 min 58 s
